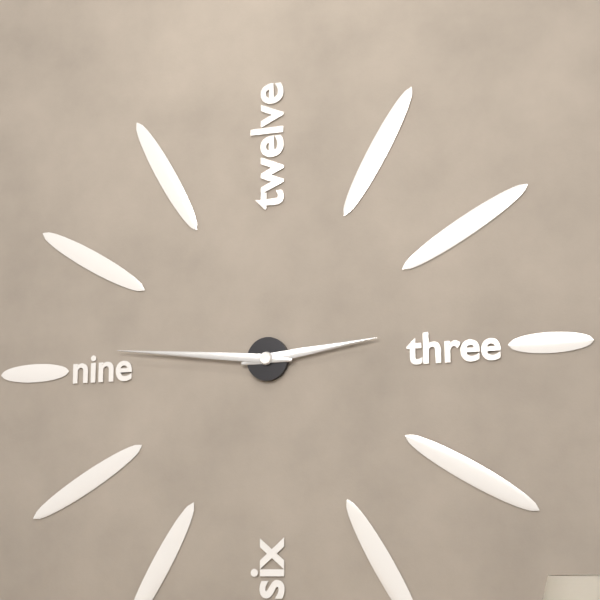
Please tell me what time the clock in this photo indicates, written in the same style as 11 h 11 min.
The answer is 2 h 46 min
